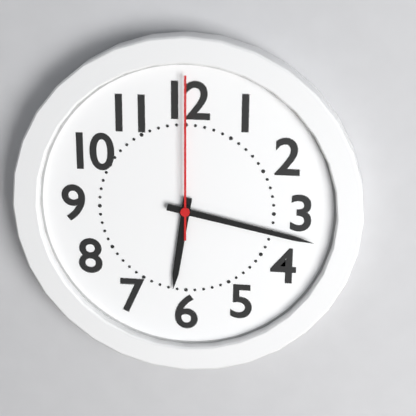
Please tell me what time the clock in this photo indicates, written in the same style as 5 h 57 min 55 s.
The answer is 6 h 17 min 00 s
